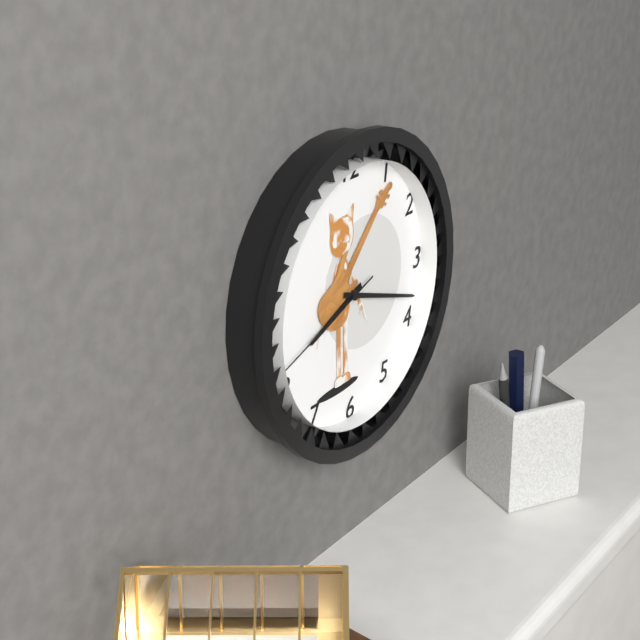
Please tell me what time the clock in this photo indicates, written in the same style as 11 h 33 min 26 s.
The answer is 8 h 18 min 42 s
